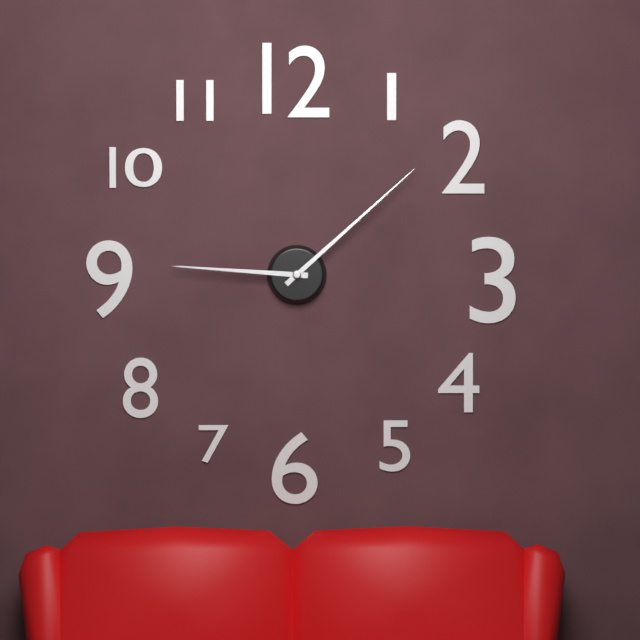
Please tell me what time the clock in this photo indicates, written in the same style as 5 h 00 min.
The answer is 9 h 08 min
